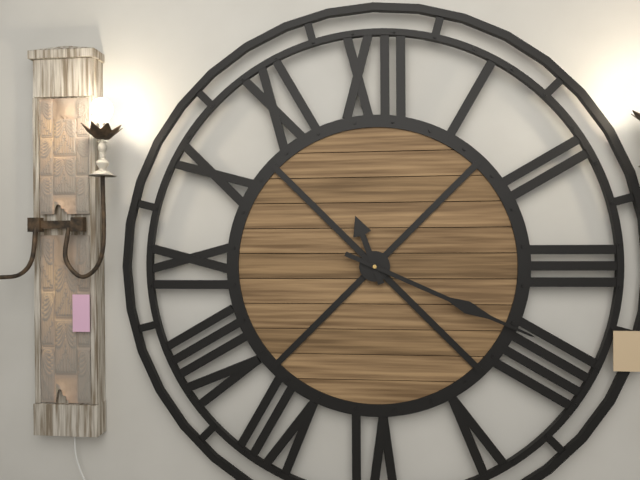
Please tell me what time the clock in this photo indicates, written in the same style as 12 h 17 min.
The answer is 11 h 19 min
